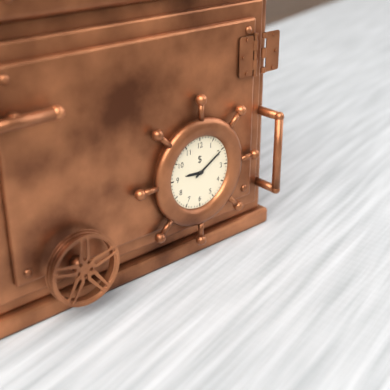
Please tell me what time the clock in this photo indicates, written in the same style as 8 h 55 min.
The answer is 9 h 10 min
